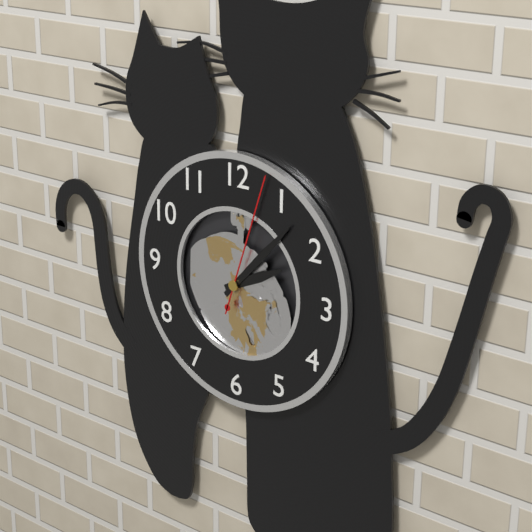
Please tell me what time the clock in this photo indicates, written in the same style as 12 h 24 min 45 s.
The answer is 2 h 07 min 03 s
